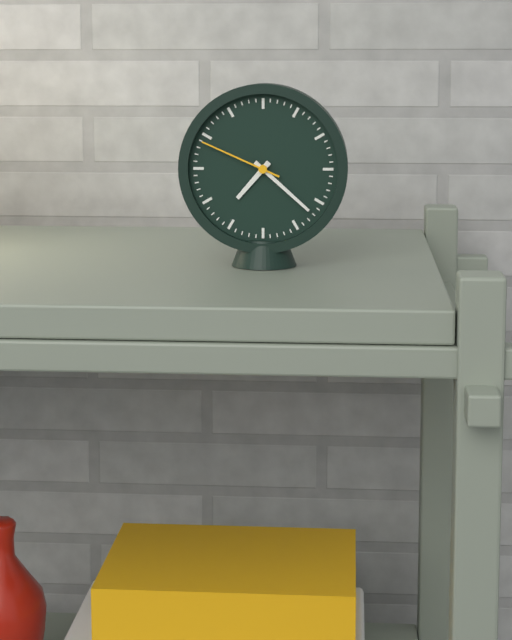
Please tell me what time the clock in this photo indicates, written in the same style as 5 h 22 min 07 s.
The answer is 7 h 22 min 49 s
